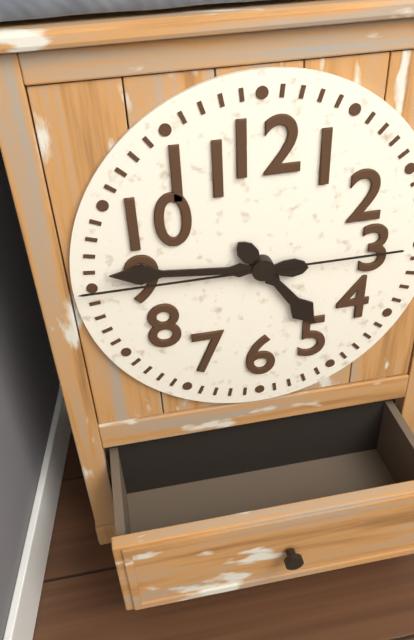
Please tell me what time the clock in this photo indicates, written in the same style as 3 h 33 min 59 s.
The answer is 4 h 46 min 45 s
